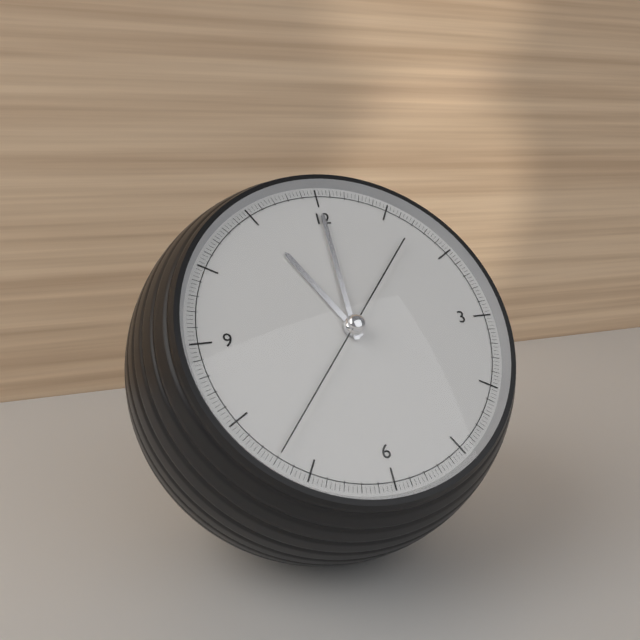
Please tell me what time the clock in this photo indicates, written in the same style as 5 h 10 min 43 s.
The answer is 11 h 00 min 37 s
